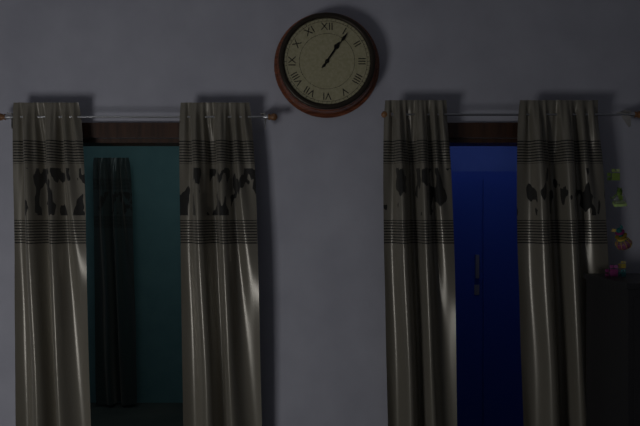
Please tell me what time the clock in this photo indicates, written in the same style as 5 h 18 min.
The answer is 1 h 06 min
